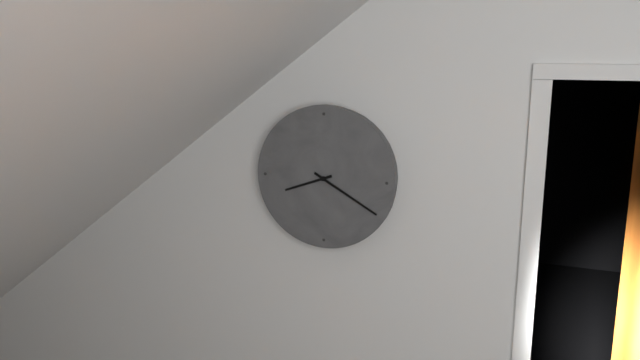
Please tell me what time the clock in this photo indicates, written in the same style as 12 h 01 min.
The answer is 8 h 20 min
